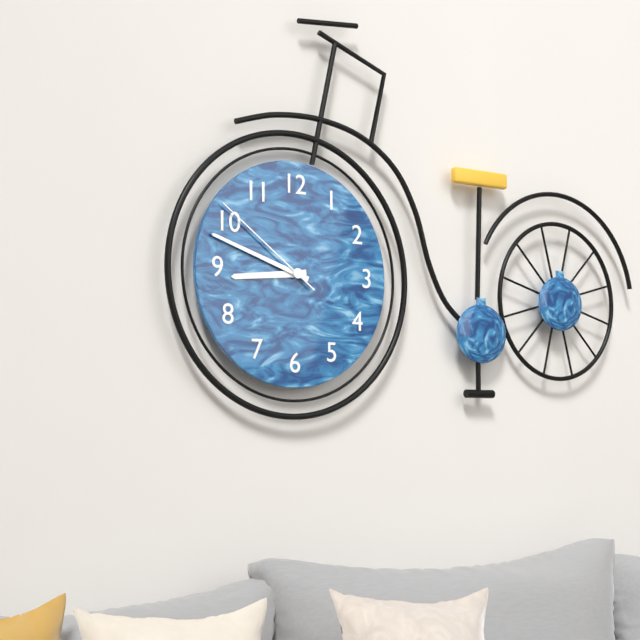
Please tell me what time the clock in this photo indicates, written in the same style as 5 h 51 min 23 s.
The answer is 8 h 48 min 51 s
